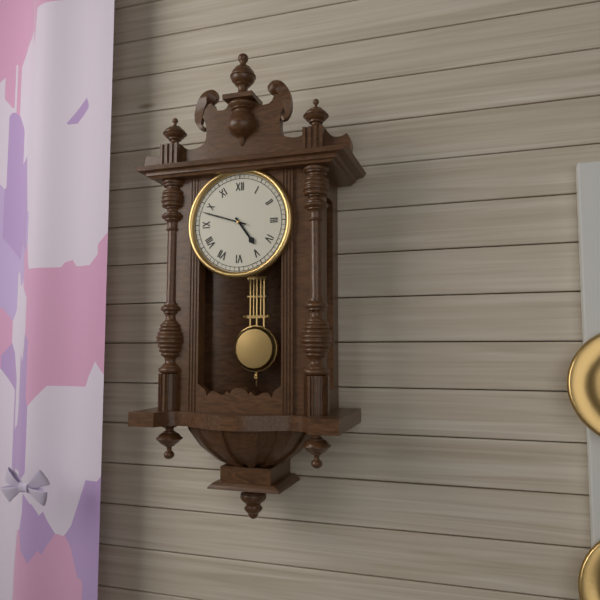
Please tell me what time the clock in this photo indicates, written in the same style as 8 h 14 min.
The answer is 4 h 48 min
